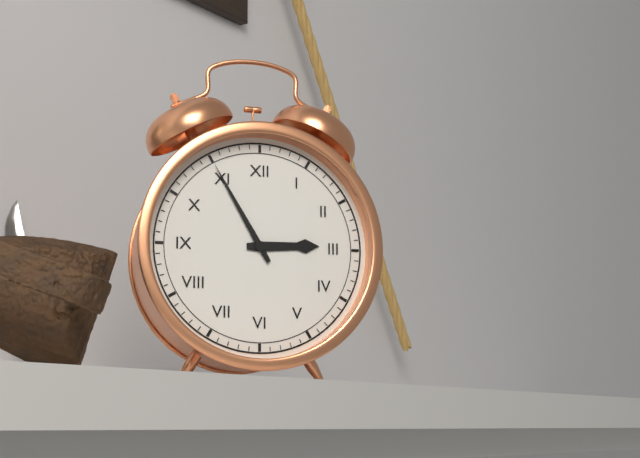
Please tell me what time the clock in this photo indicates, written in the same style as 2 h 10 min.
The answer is 2 h 55 min
